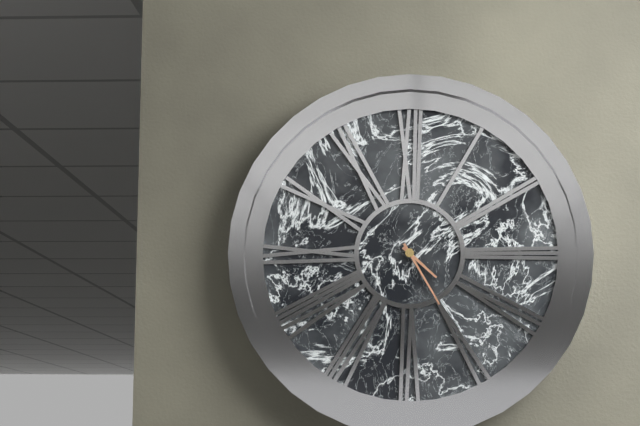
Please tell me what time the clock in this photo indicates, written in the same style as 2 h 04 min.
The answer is 4 h 25 min
